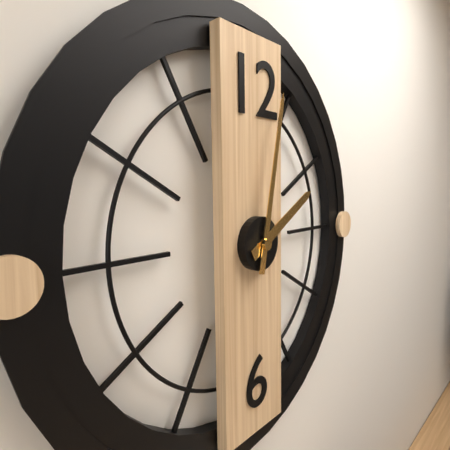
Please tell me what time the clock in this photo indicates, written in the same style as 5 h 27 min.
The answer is 2 h 02 min
